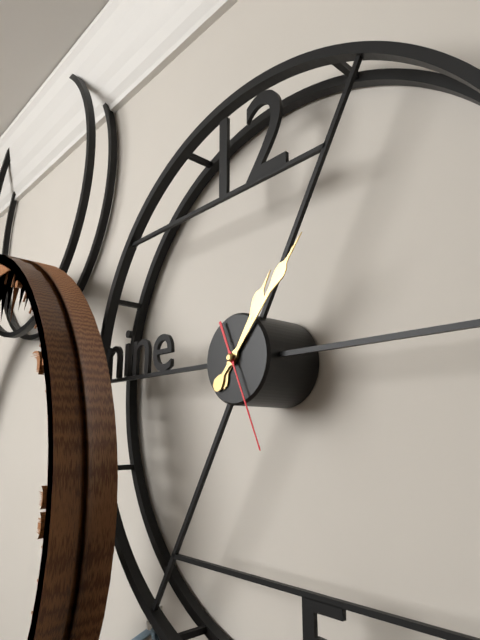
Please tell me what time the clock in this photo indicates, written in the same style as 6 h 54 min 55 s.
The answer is 1 h 07 min 26 s
